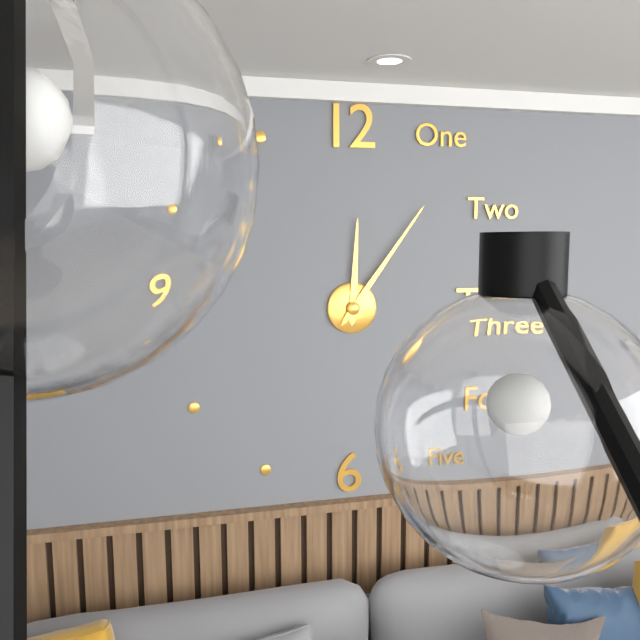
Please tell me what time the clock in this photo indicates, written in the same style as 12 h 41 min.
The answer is 12 h 06 min
